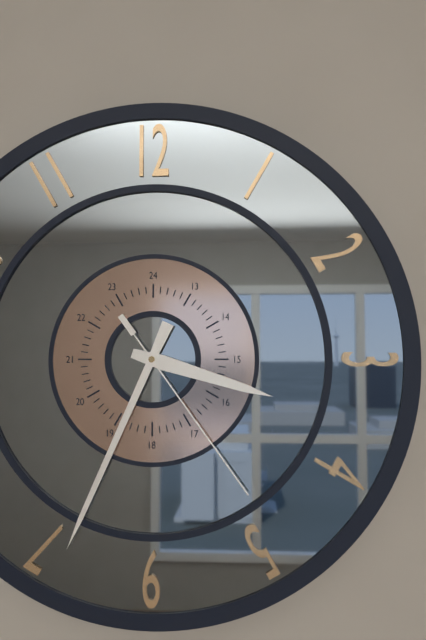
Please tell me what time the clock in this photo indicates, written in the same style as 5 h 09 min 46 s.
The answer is 3 h 34 min 24 s
